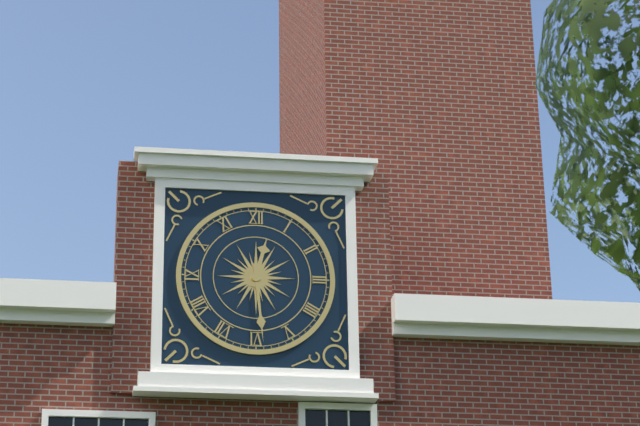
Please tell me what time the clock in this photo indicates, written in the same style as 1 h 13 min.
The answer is 12 h 29 min
